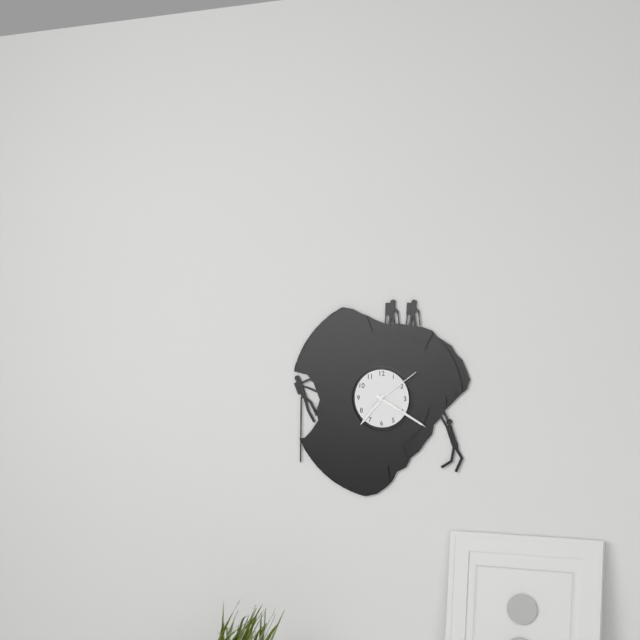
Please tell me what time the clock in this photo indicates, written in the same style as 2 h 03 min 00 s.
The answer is 7 h 20 min 09 s
